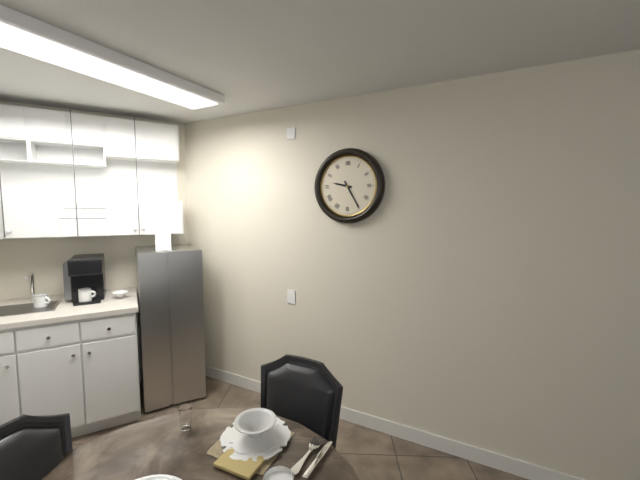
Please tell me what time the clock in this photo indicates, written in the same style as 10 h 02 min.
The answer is 9 h 25 min
